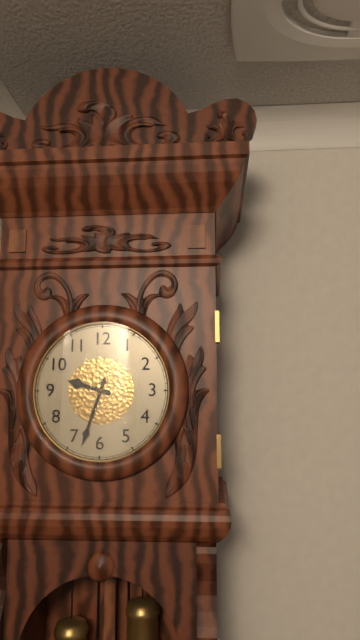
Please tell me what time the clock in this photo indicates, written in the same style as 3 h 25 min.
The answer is 9 h 33 min
